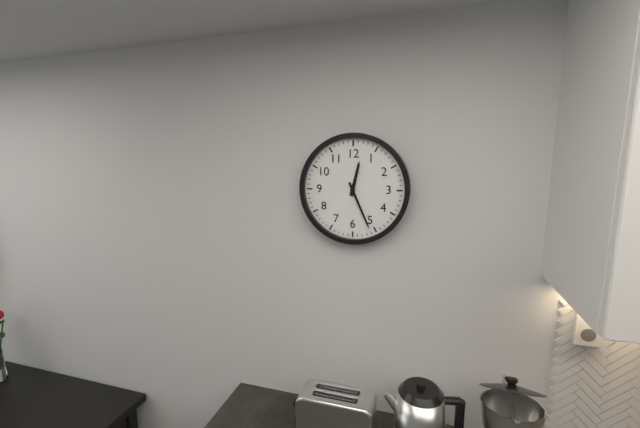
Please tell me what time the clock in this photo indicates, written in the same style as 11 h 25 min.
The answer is 12 h 26 min
